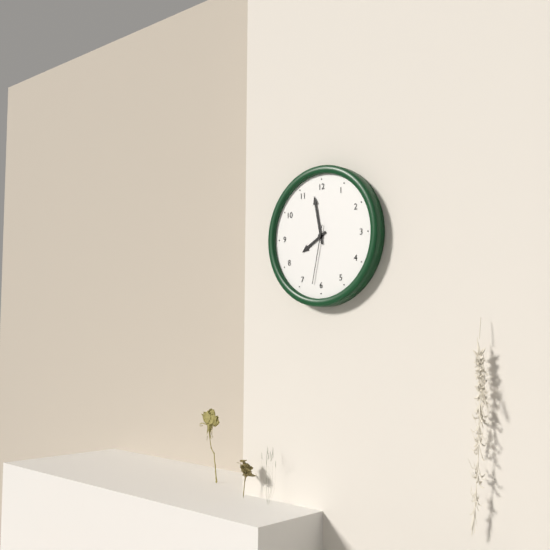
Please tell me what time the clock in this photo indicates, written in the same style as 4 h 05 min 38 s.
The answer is 7 h 58 min 32 s
